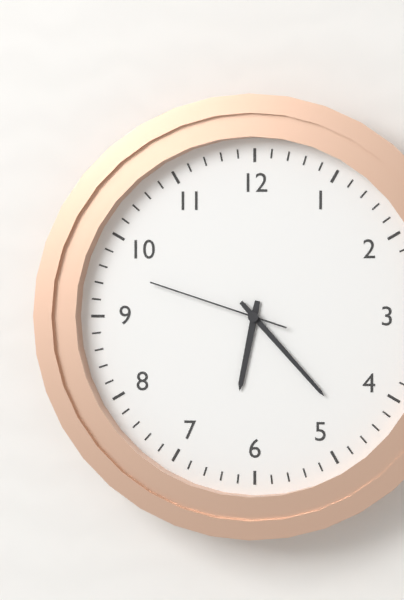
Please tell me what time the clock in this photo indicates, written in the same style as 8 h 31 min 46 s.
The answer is 6 h 23 min 48 s
